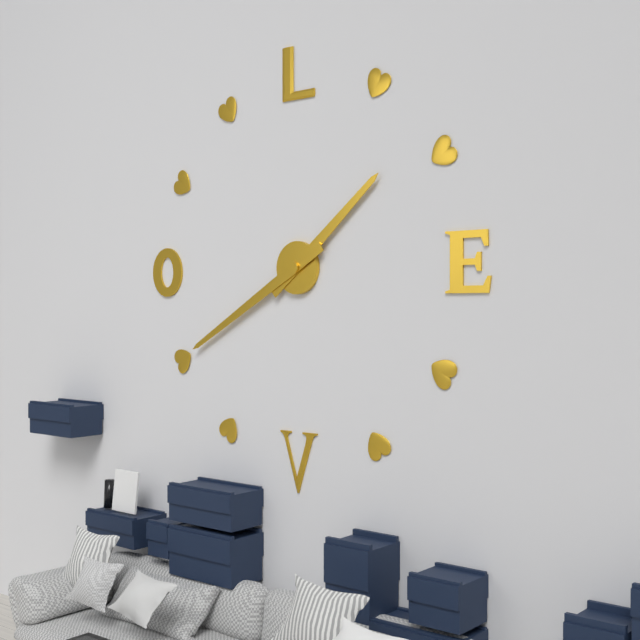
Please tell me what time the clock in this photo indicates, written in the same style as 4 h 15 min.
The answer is 1 h 40 min
